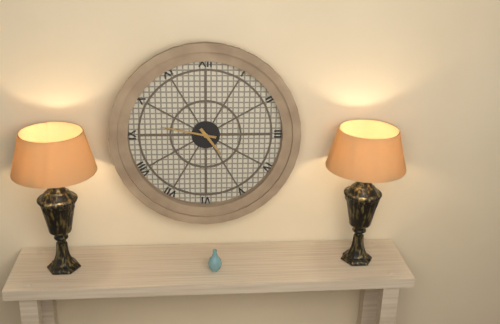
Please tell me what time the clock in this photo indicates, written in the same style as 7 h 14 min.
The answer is 4 h 47 min
